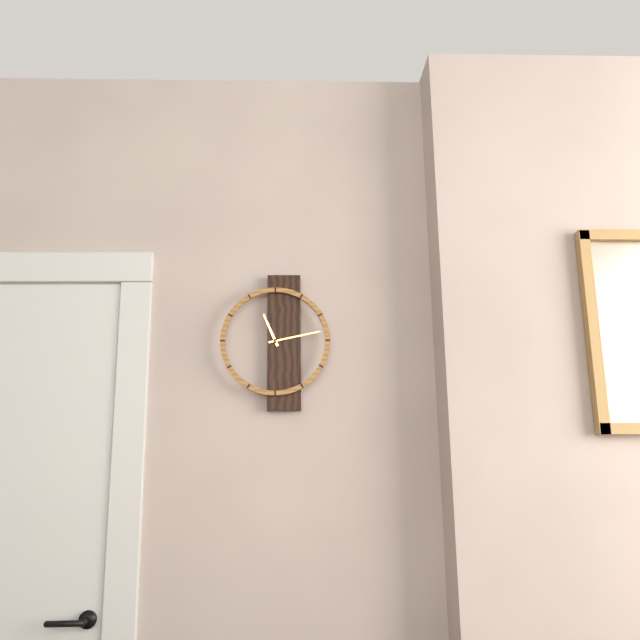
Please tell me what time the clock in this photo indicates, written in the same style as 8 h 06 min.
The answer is 11 h 13 min
